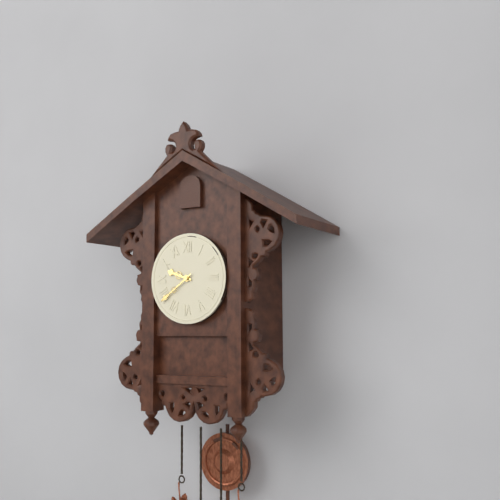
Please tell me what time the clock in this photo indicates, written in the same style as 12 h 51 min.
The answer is 9 h 39 min
